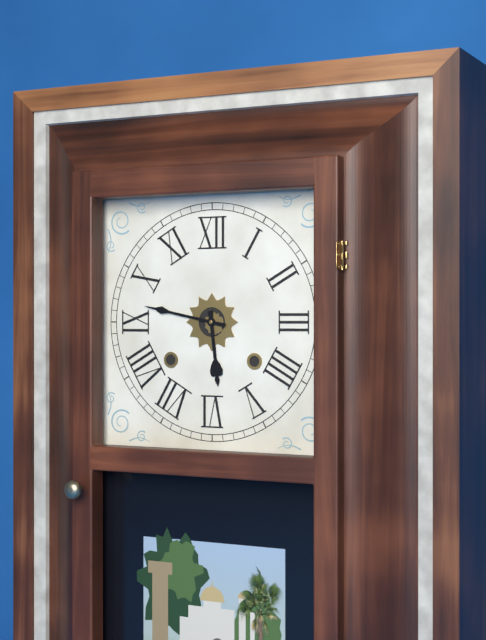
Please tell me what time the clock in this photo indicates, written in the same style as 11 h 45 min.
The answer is 5 h 47 min
